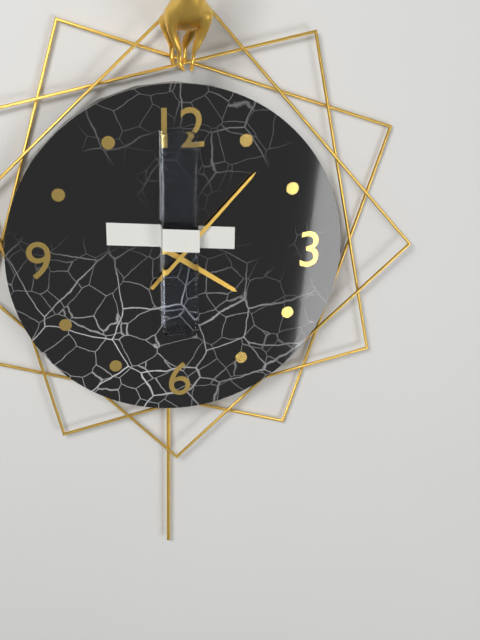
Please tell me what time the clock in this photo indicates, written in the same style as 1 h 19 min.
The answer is 4 h 07 min
